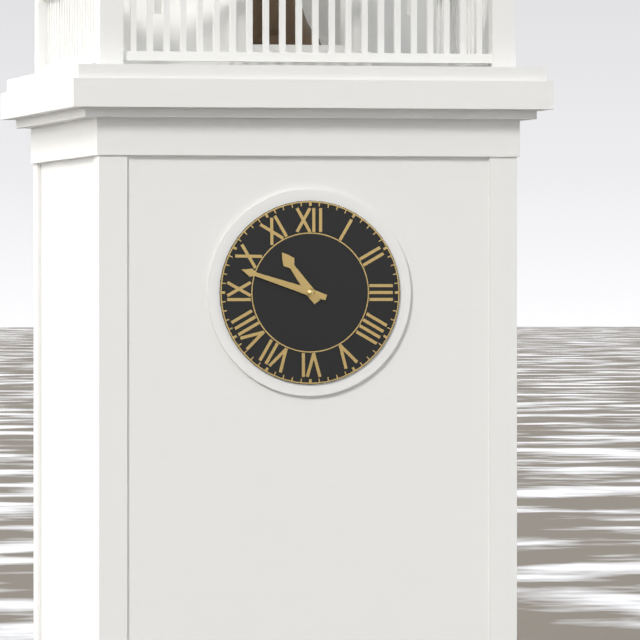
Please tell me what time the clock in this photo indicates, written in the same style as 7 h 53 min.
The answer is 10 h 48 min
